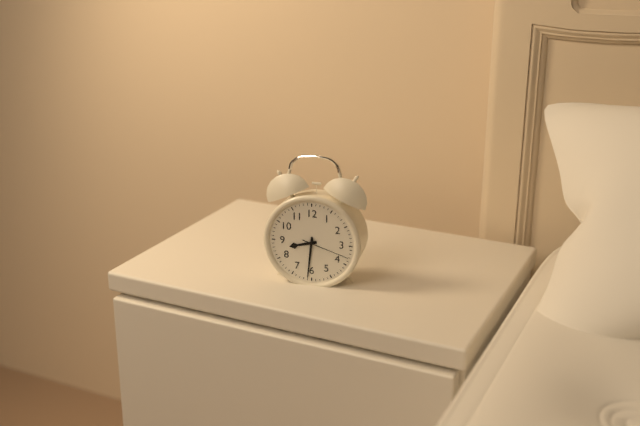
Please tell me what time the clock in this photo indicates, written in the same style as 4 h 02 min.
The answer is 8 h 31 min
